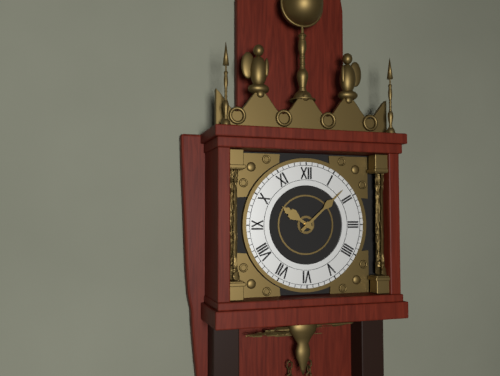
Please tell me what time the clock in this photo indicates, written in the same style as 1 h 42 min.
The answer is 10 h 08 min
